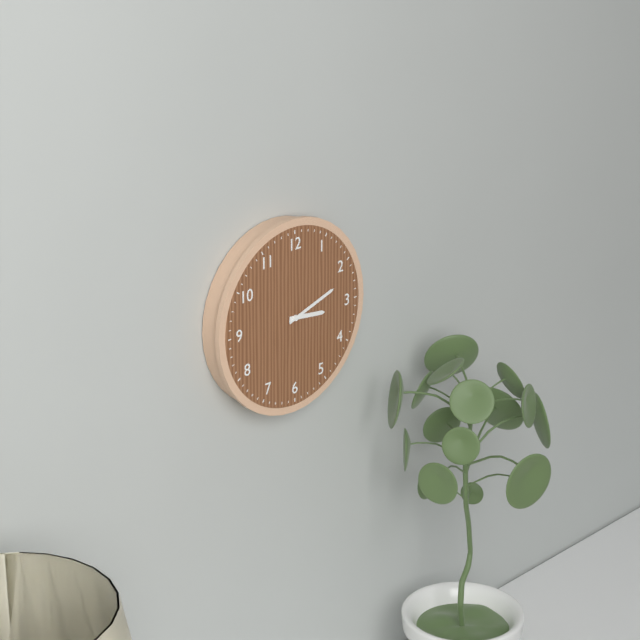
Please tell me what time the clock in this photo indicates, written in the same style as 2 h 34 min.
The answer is 3 h 12 min
